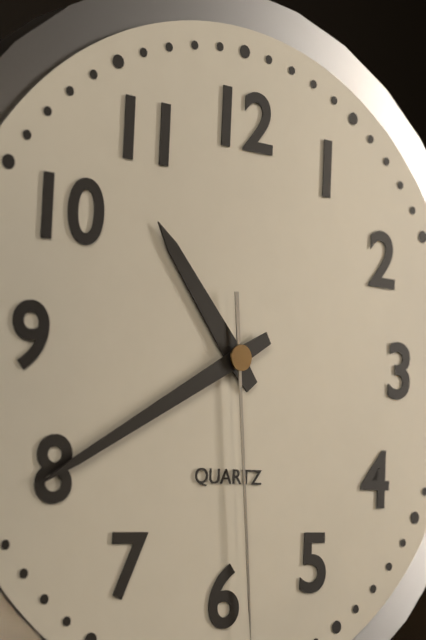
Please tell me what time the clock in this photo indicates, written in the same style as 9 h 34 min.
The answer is 10 h 40 min
